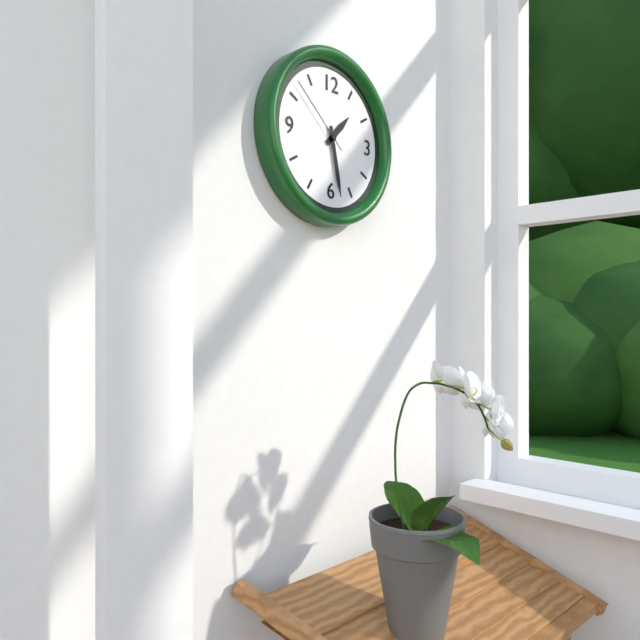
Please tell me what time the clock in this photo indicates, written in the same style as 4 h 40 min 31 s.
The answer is 1 h 28 min 52 s
